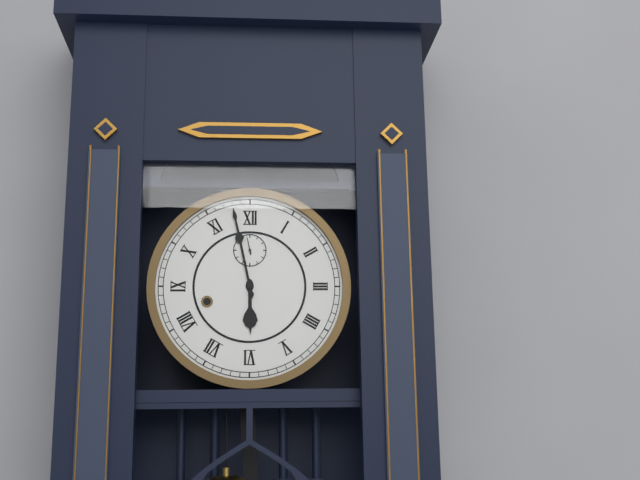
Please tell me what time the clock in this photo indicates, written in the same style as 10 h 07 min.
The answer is 5 h 58 min
